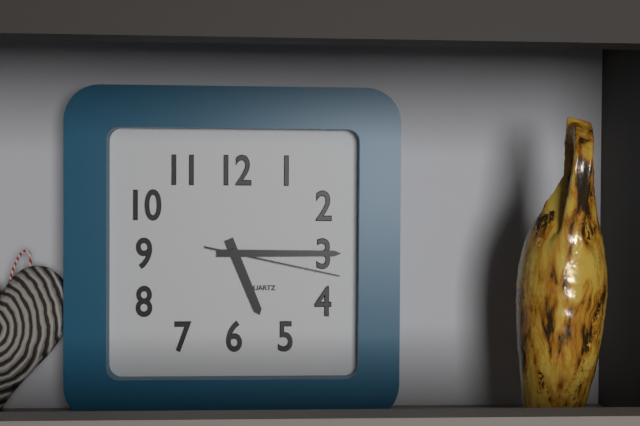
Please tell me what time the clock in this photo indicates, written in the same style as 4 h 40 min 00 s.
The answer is 5 h 15 min 17 s
